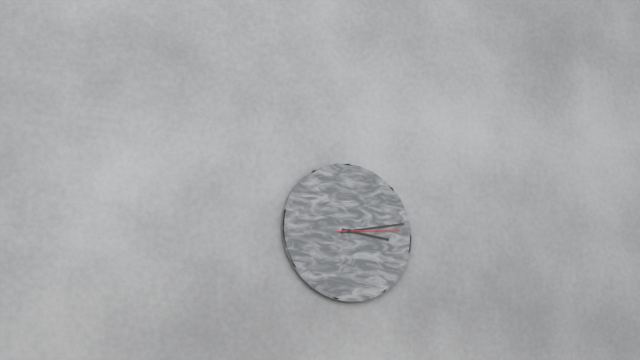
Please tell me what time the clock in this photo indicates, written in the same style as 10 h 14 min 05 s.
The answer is 3 h 13 min 14 s
